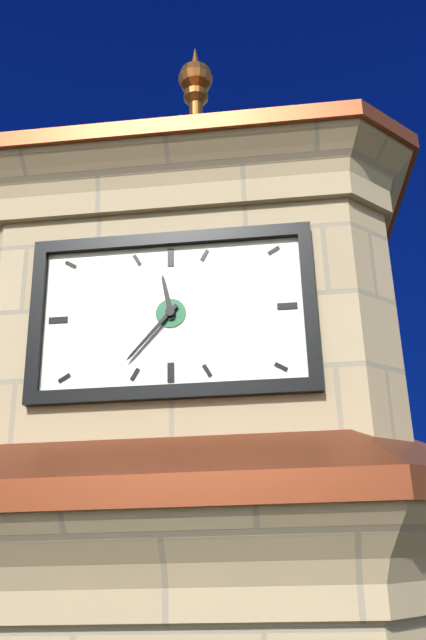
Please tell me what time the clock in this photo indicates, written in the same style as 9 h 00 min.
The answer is 11 h 37 min
